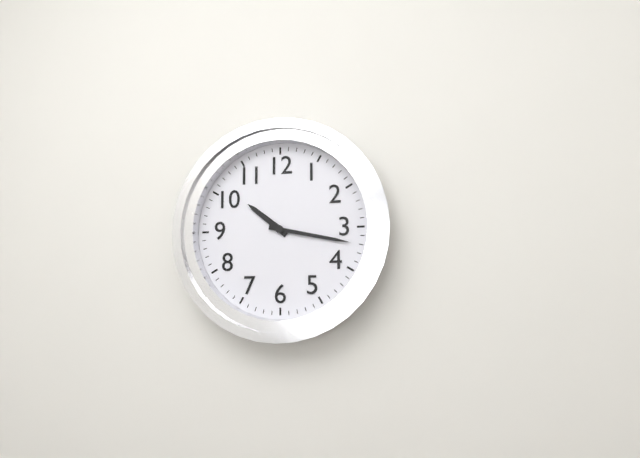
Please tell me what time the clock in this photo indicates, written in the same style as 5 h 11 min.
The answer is 10 h 17 min
